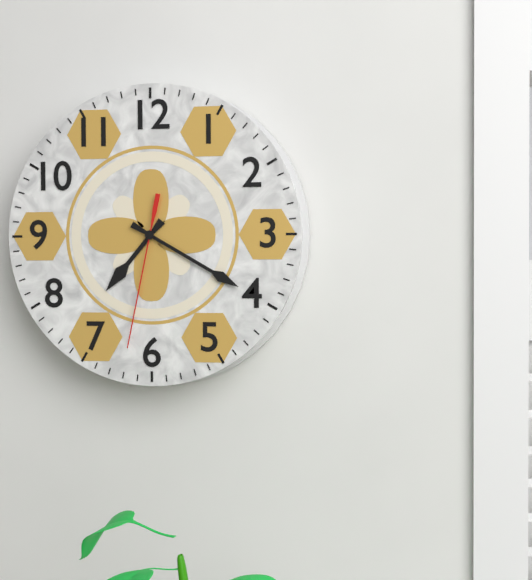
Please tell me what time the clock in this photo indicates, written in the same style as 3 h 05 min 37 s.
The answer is 7 h 20 min 32 s
